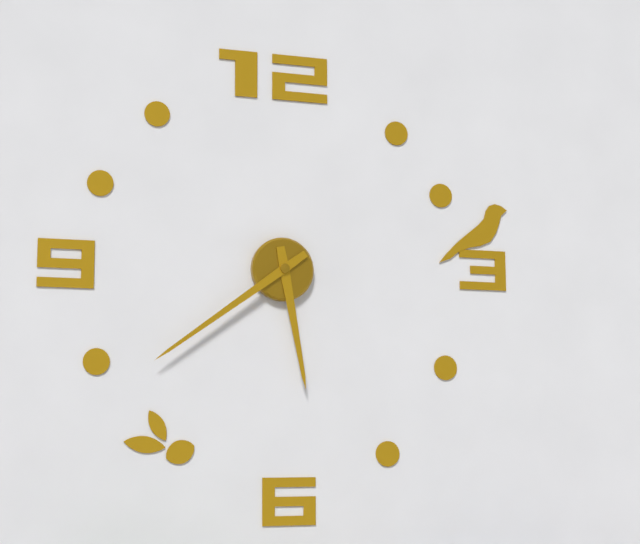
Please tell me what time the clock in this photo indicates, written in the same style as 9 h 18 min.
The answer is 5 h 39 min
